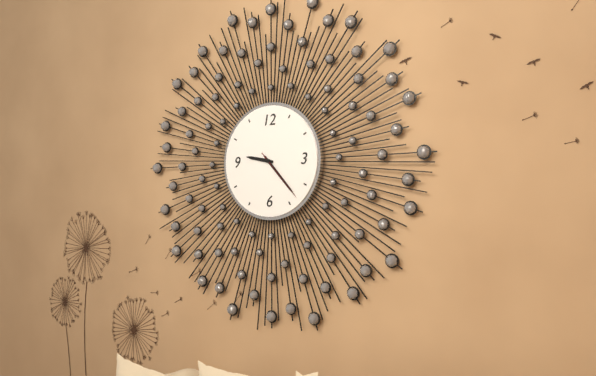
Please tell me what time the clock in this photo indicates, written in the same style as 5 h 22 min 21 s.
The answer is 9 h 23 min 23 s
